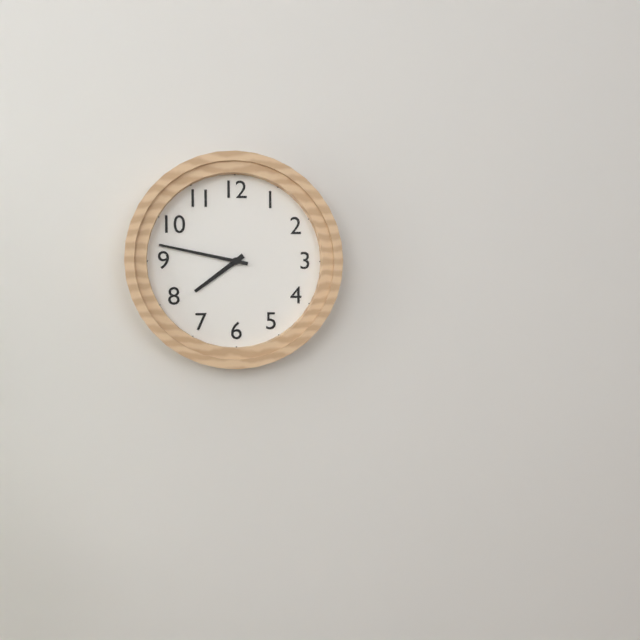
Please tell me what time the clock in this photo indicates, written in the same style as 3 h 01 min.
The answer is 7 h 47 min
